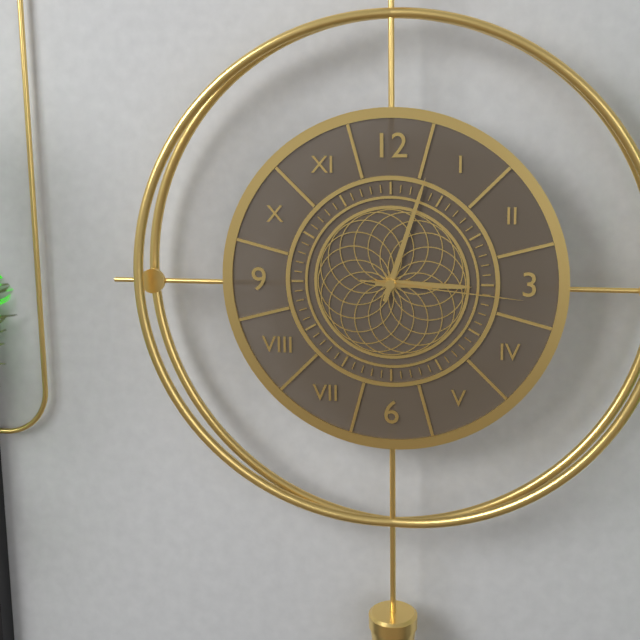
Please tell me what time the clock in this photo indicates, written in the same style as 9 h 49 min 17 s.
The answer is 3 h 03 min 16 s
